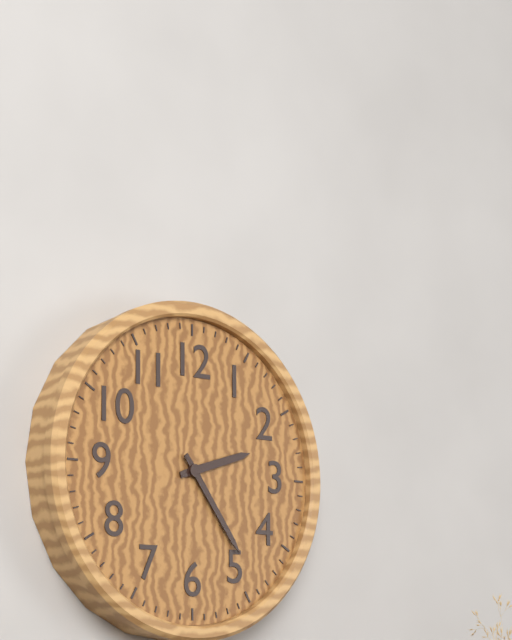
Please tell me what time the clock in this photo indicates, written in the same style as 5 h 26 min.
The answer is 2 h 24 min
